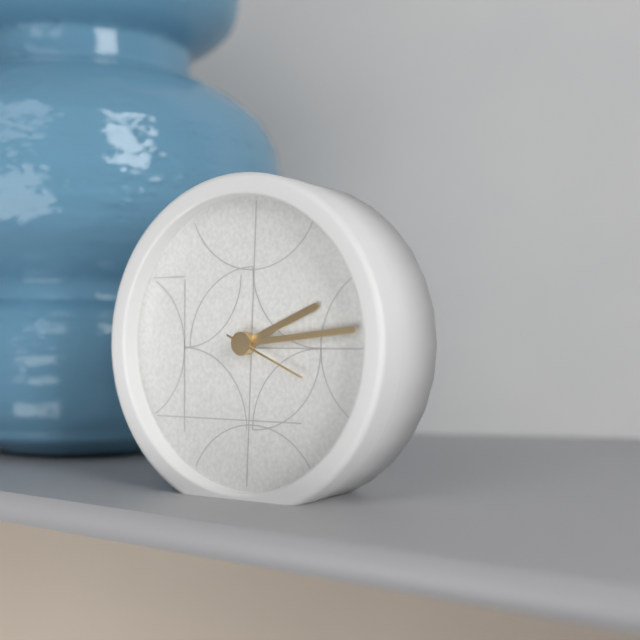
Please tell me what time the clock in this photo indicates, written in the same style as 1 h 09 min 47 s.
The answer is 2 h 14 min 19 s
